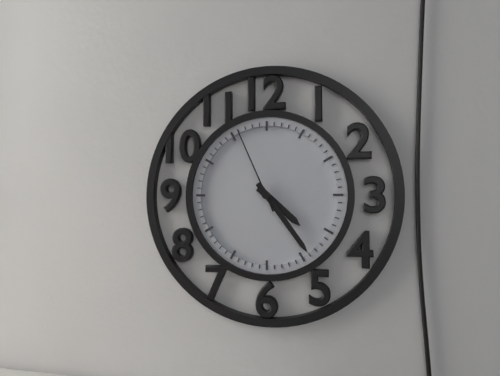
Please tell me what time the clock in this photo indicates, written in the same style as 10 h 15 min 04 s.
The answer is 4 h 24 min 56 s
